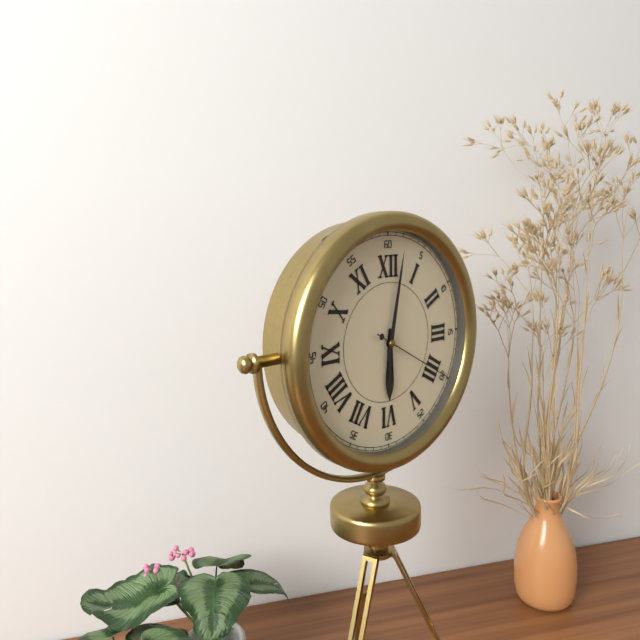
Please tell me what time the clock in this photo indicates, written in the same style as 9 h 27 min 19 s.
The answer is 6 h 02 min 20 s
